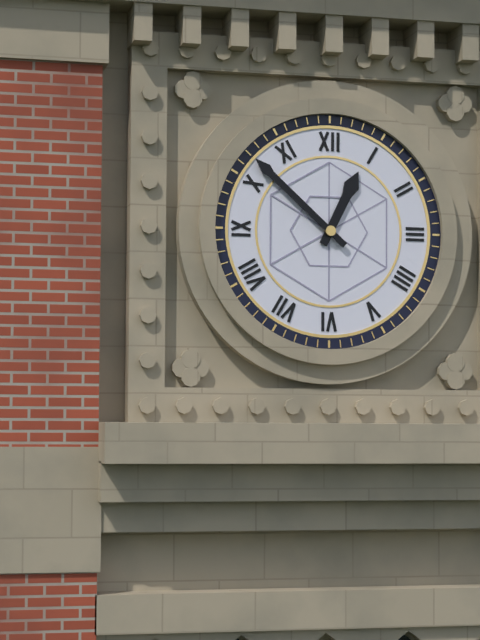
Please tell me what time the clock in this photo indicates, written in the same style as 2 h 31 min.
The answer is 12 h 52 min
